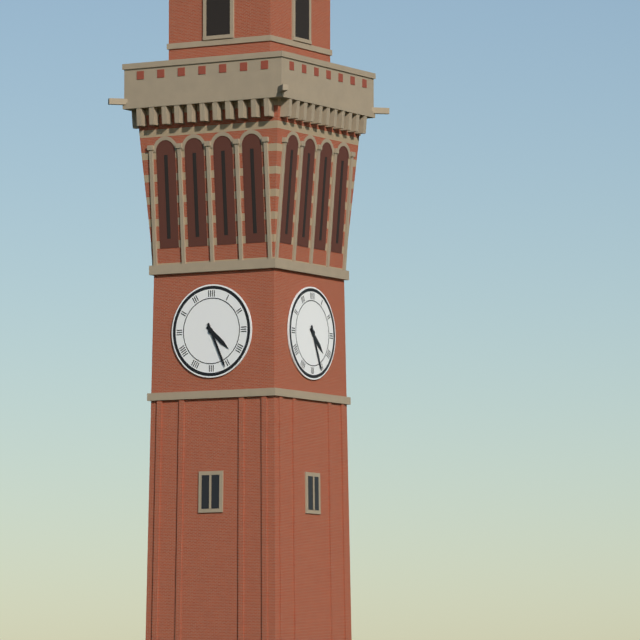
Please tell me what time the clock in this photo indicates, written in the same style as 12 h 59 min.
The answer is 4 h 26 min
